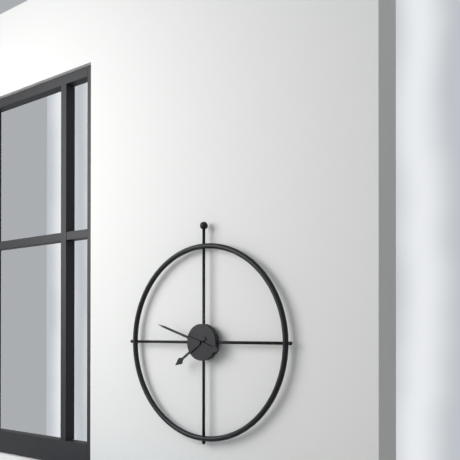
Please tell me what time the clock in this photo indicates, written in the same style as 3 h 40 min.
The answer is 7 h 48 min
